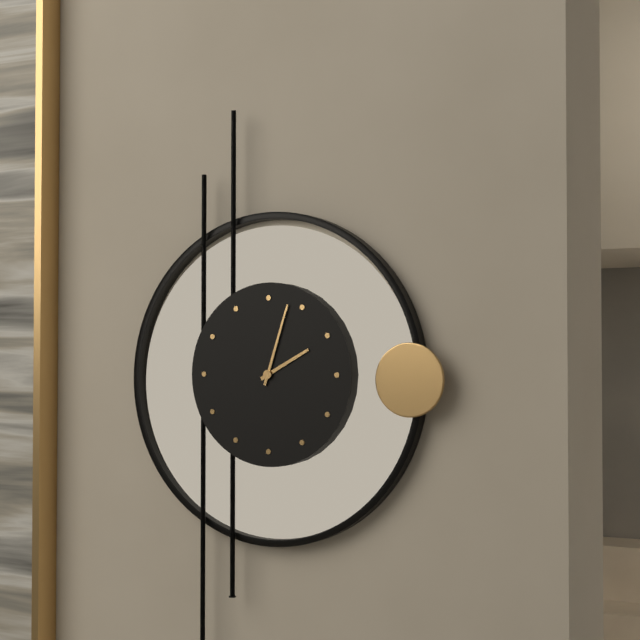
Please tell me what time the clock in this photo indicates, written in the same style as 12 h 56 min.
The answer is 2 h 03 min
